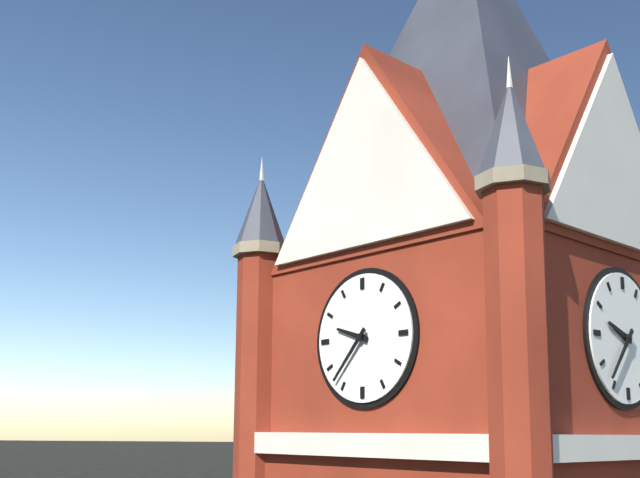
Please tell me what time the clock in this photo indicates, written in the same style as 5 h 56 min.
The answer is 9 h 37 min
